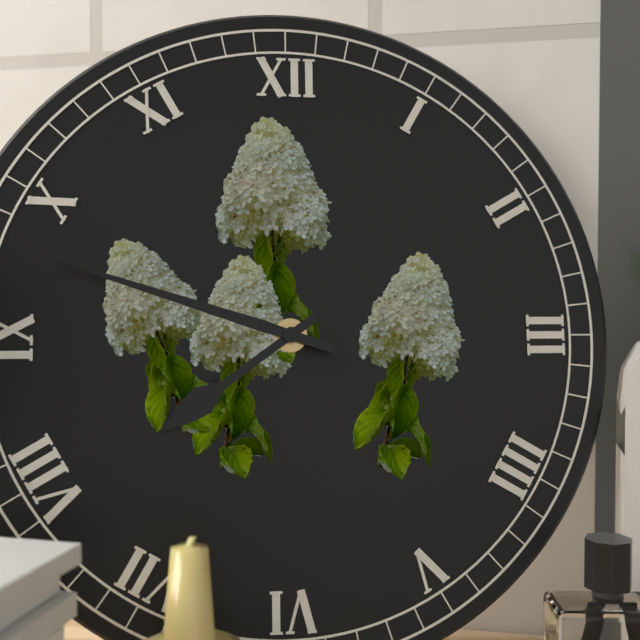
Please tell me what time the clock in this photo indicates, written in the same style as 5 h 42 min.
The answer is 7 h 48 min
